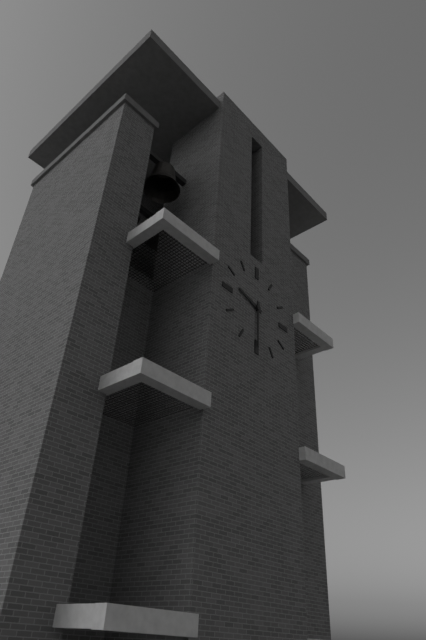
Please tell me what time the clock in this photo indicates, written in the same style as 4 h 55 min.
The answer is 9 h 30 min
